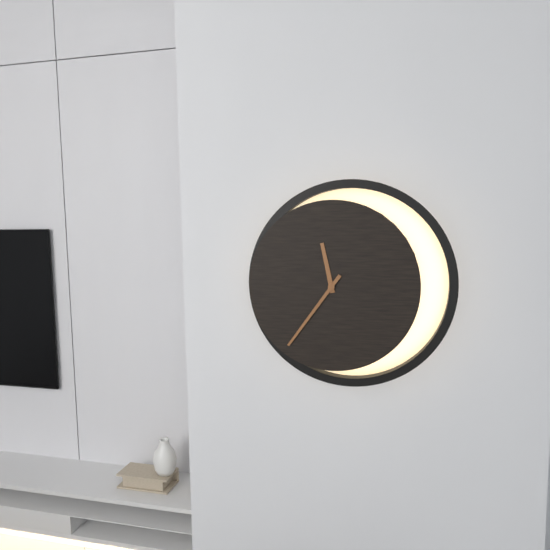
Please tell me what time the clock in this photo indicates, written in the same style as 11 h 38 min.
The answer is 11 h 36 min
